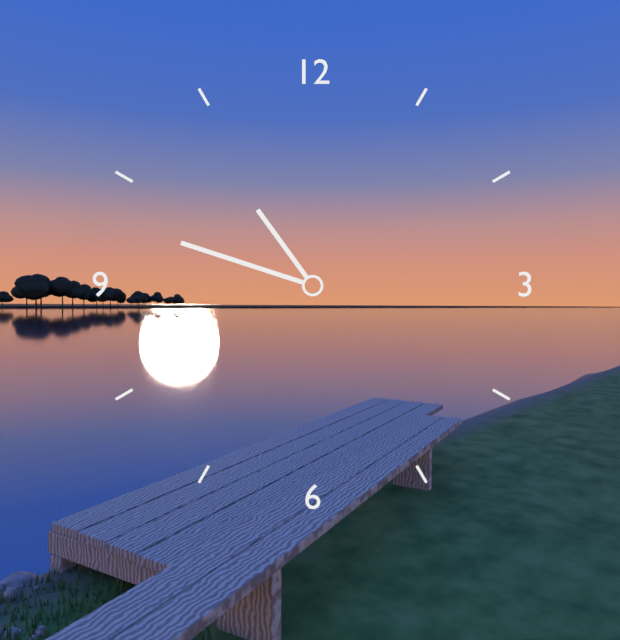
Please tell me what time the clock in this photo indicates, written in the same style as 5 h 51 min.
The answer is 10 h 48 min
